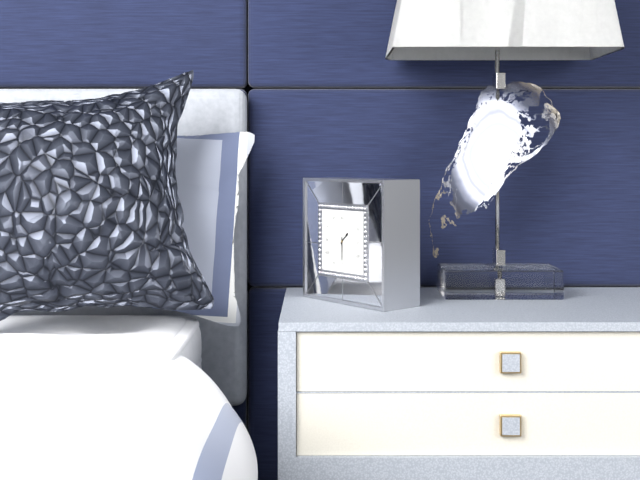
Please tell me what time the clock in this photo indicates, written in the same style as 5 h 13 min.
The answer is 1 h 30 min
